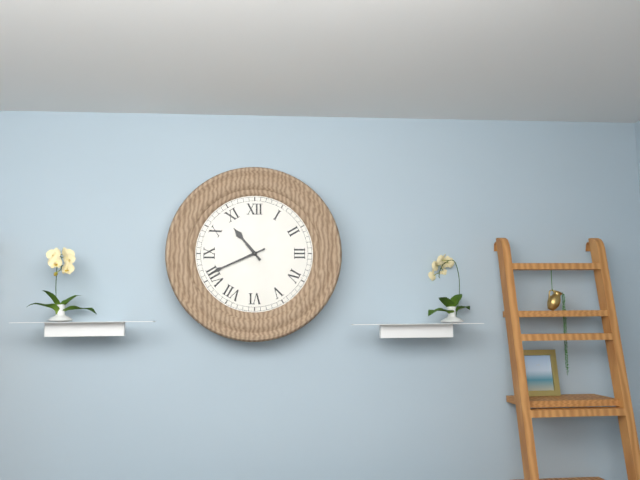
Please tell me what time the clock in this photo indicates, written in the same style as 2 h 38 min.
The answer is 10 h 41 min
